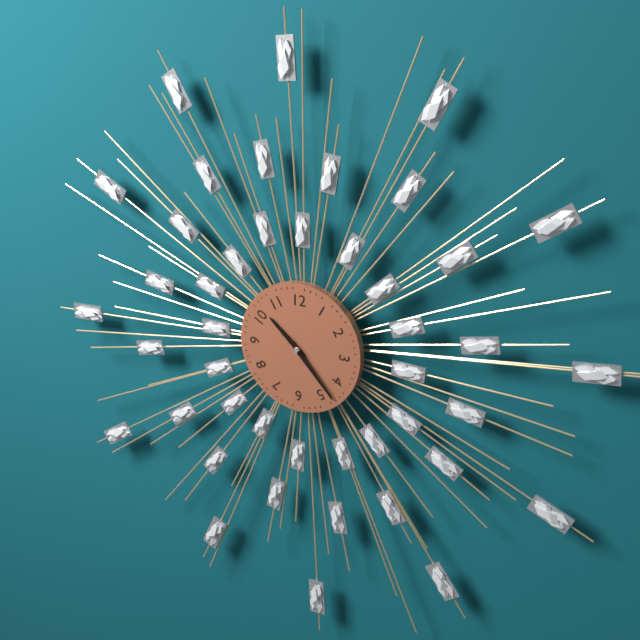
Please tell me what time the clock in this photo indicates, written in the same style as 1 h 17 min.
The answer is 10 h 23 min
